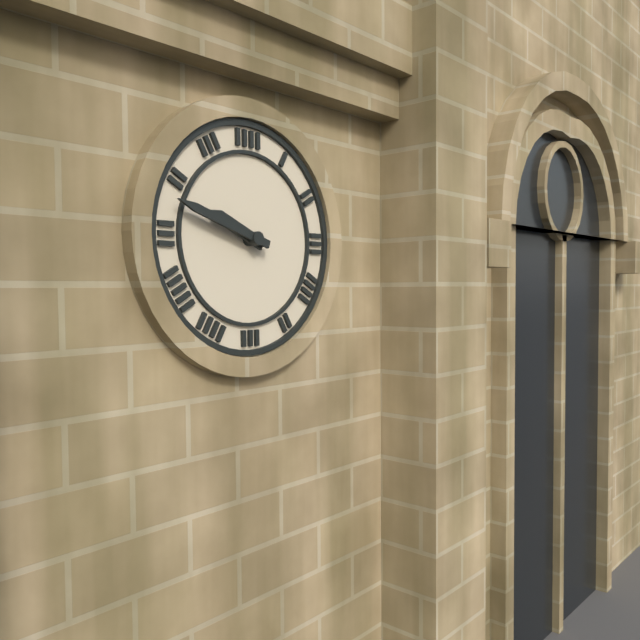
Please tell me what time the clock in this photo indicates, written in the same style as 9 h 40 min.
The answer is 9 h 48 min
